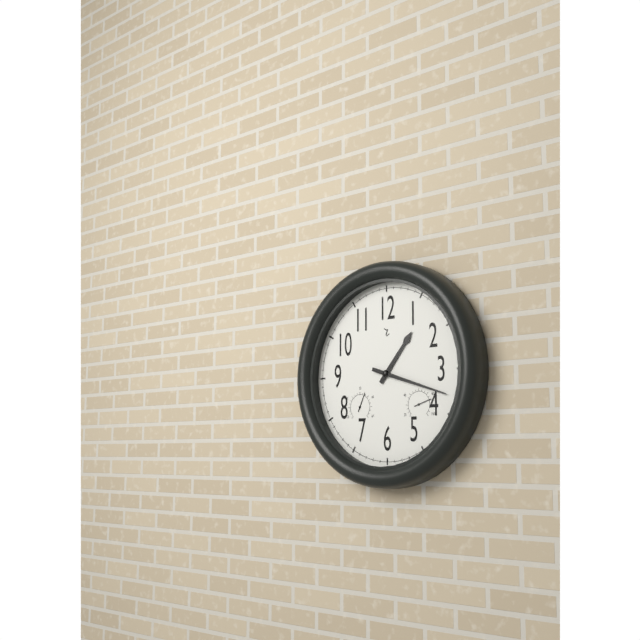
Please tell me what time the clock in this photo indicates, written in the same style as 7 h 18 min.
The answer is 1 h 18 min
